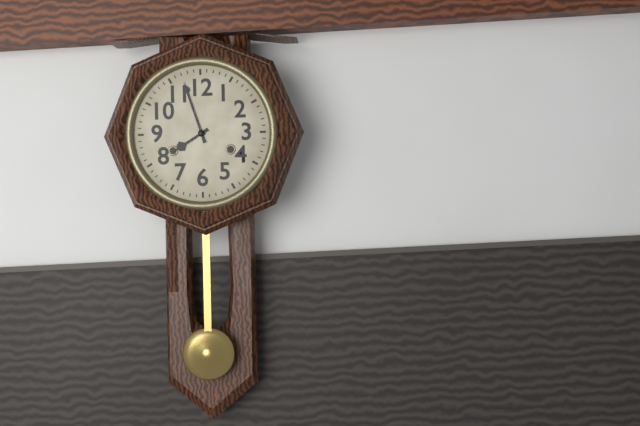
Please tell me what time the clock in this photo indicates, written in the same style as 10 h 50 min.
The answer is 7 h 57 min
